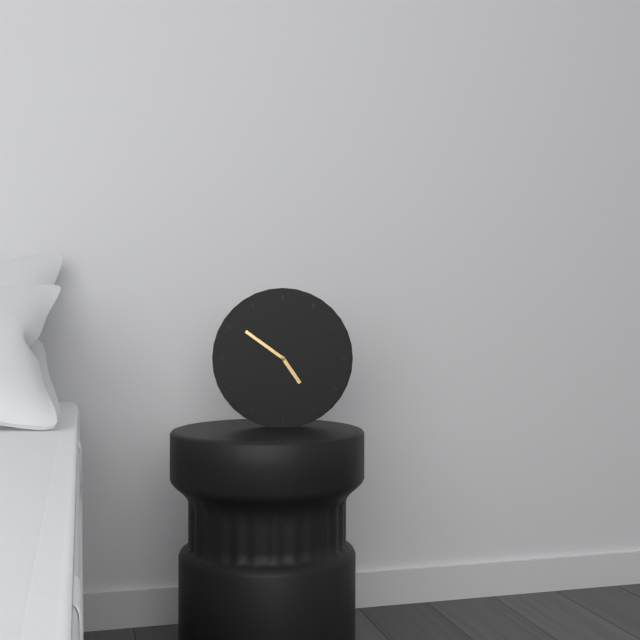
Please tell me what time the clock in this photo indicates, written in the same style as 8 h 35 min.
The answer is 4 h 51 min
